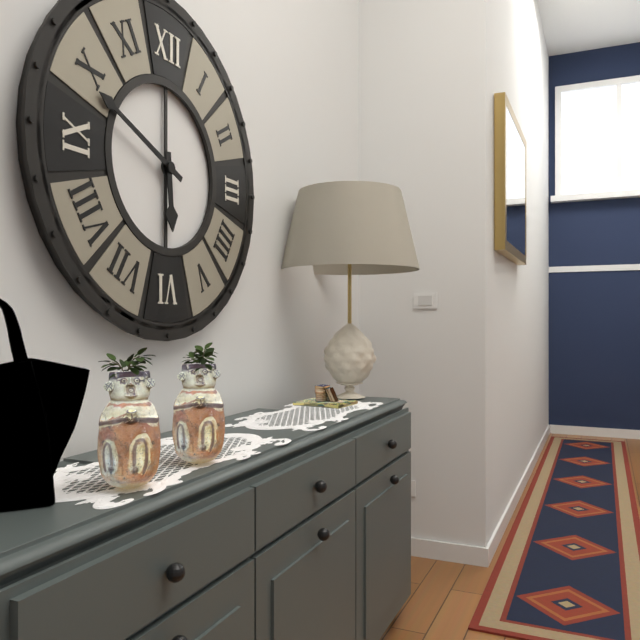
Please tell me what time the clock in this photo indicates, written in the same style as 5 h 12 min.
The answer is 5 h 49 min
